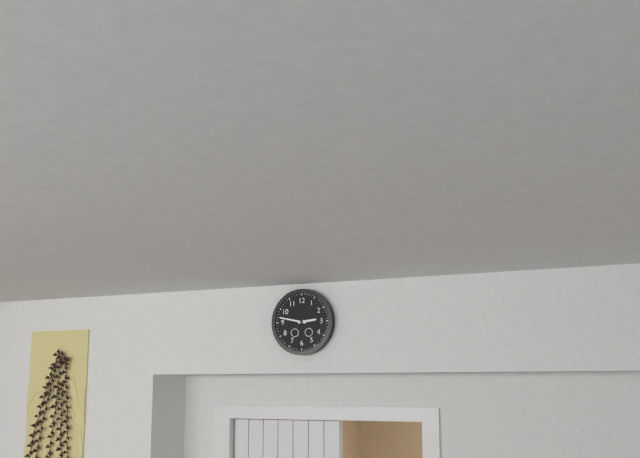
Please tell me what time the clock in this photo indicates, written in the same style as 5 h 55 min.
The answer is 2 h 47 min
